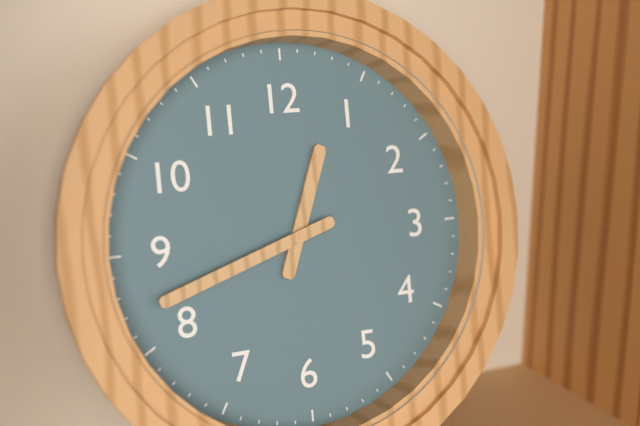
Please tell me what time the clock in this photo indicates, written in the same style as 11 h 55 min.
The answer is 12 h 42 min
